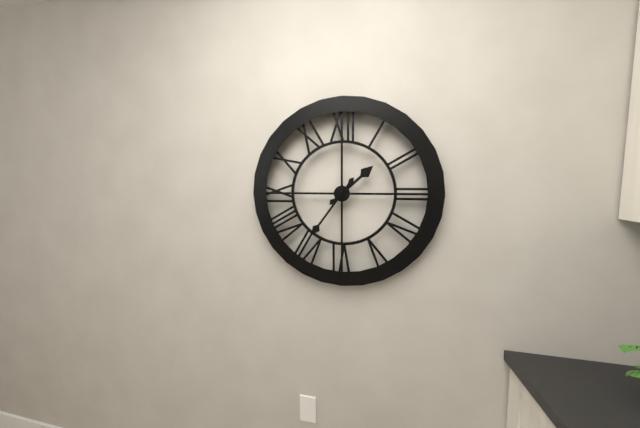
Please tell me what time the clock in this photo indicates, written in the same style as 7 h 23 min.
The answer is 1 h 36 min
